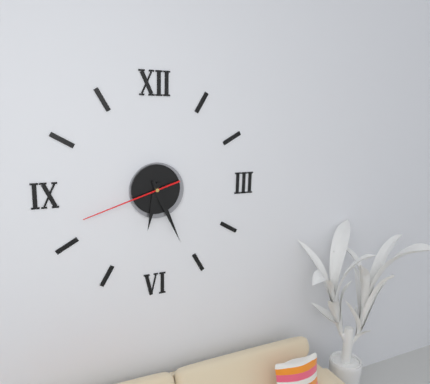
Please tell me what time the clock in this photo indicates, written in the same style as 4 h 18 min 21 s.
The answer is 6 h 26 min 42 s
